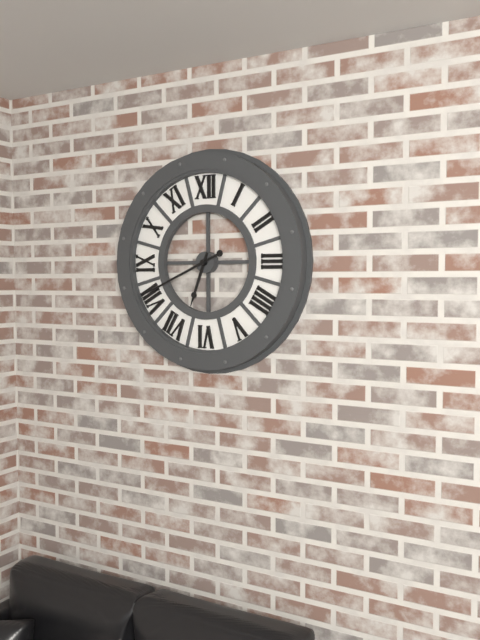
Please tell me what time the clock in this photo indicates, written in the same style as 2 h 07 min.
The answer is 6 h 41 min
